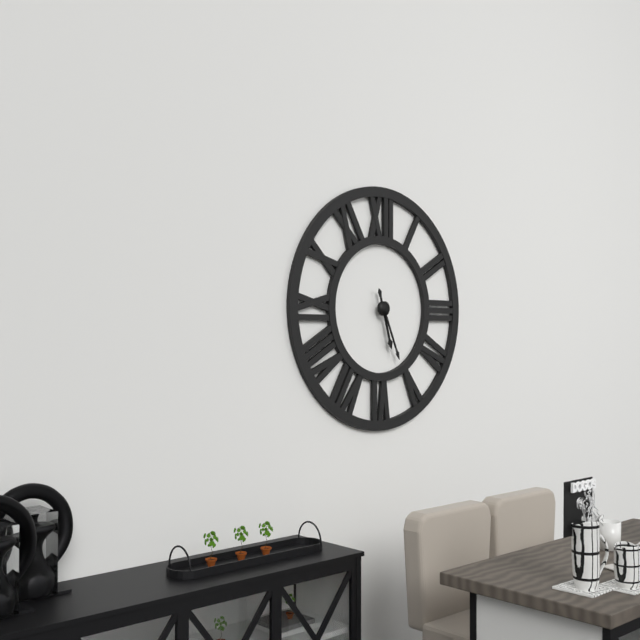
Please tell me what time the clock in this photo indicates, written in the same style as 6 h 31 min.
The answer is 5 h 26 min
